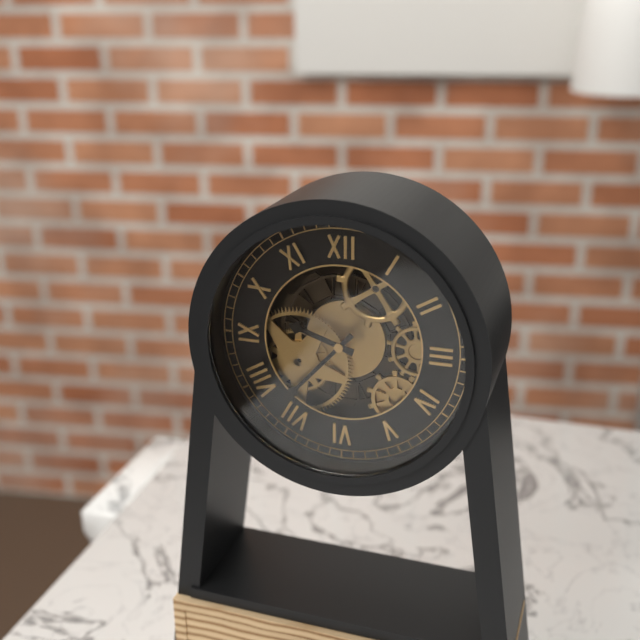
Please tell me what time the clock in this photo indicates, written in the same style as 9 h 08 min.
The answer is 9 h 37 min
